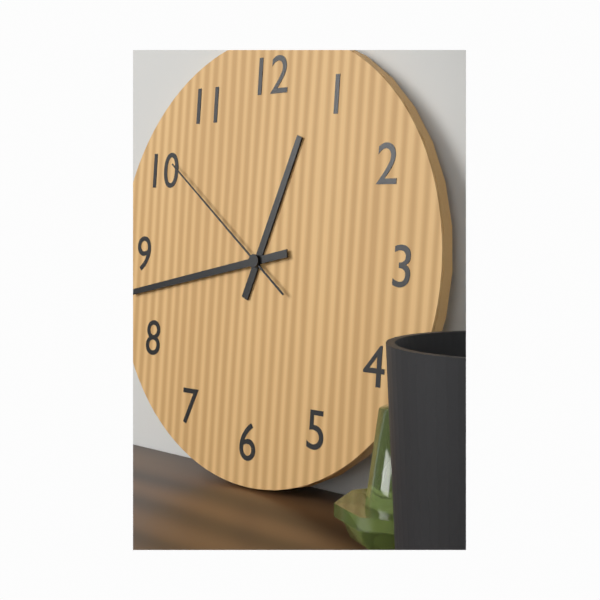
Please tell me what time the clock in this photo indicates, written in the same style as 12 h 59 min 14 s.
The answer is 12 h 43 min 51 s
